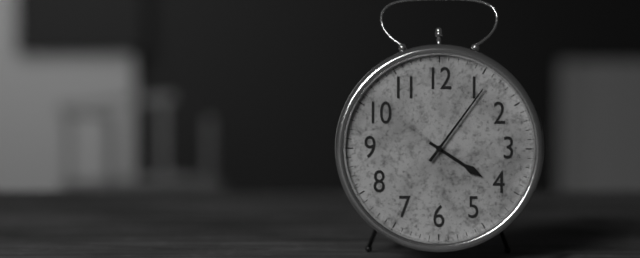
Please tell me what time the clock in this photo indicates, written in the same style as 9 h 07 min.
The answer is 4 h 06 min
